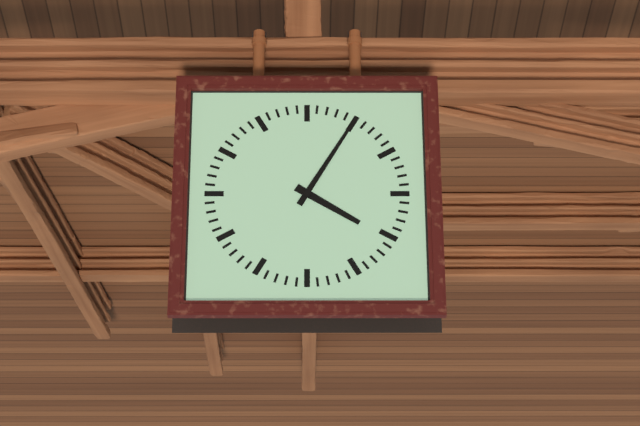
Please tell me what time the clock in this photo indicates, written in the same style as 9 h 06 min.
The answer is 4 h 05 min
